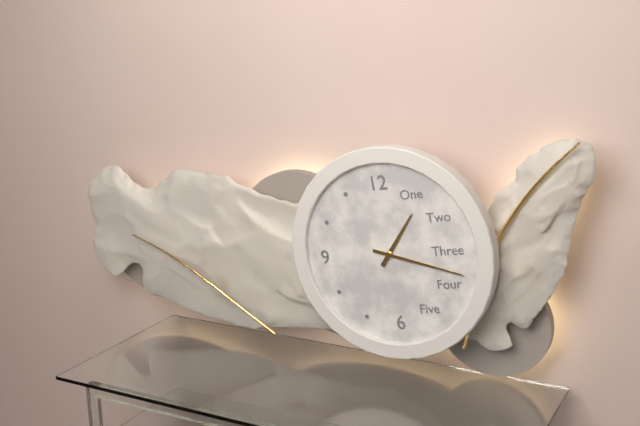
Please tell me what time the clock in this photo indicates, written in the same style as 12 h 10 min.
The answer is 1 h 18 min
